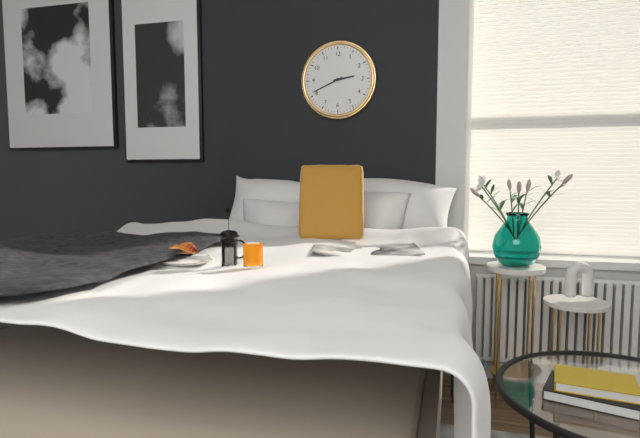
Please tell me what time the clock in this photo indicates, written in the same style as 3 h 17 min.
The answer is 2 h 41 min
